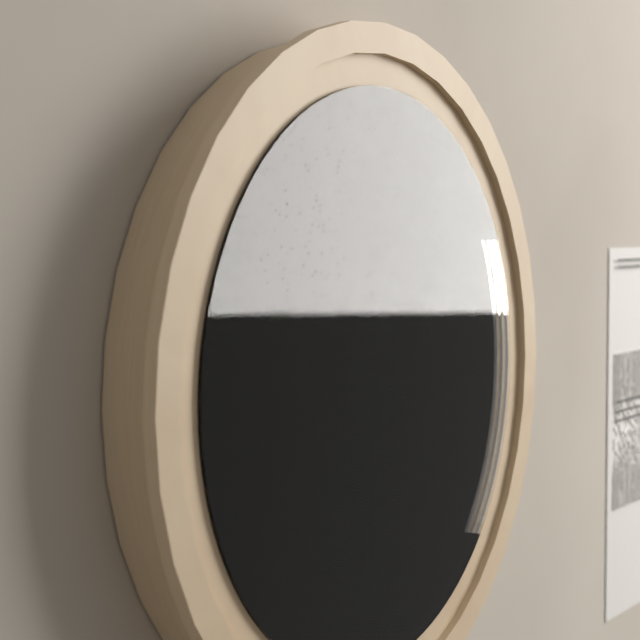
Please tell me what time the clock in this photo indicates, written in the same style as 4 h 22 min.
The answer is 12 h 21 min
